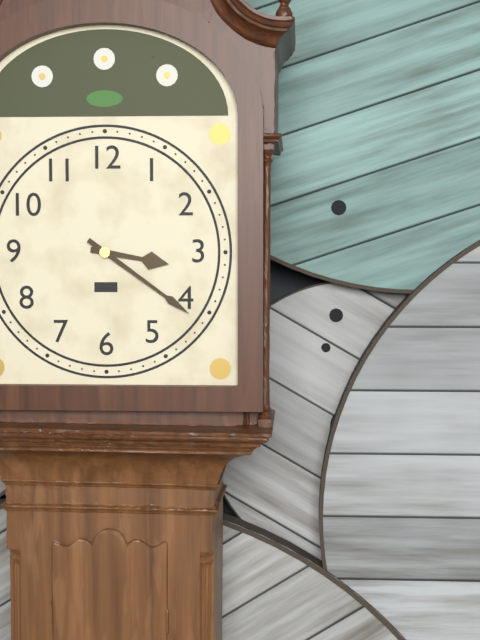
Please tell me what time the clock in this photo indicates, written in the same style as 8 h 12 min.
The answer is 3 h 21 min
